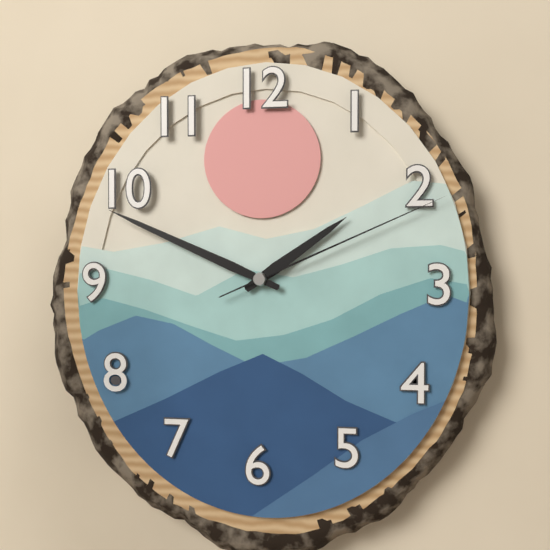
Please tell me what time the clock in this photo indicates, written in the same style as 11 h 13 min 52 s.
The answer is 1 h 49 min 11 s
